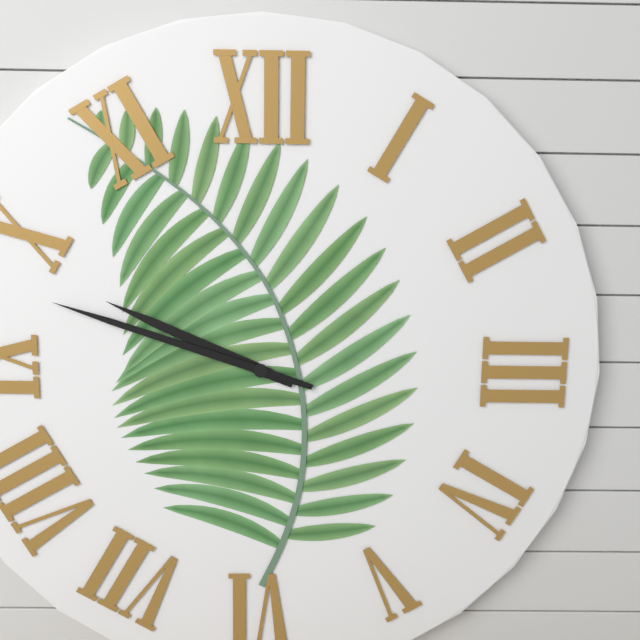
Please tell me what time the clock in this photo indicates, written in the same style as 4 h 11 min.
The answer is 9 h 48 min
